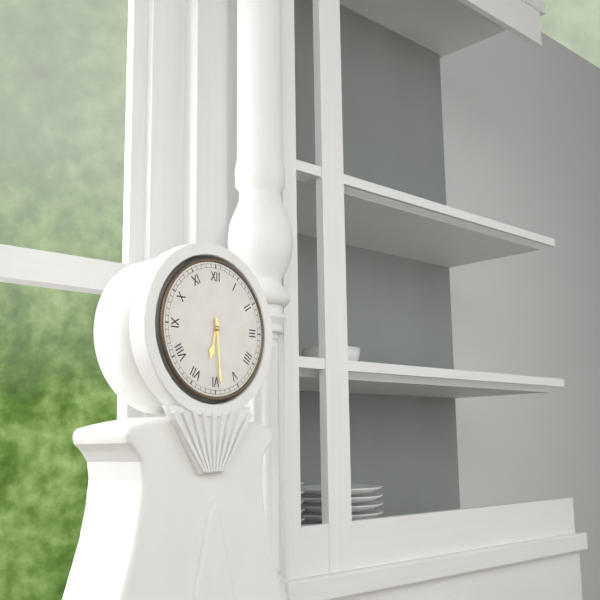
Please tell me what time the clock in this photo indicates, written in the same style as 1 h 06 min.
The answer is 6 h 29 min
